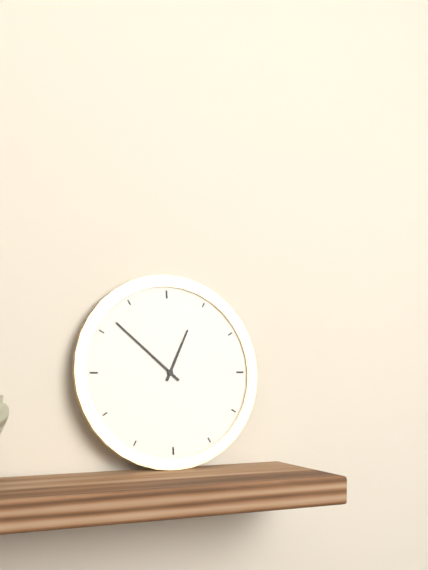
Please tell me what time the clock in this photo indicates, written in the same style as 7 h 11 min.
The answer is 12 h 52 min
